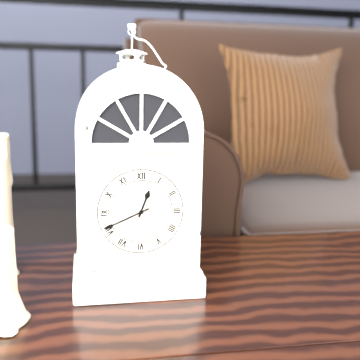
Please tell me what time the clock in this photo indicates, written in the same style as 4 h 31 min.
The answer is 12 h 41 min
